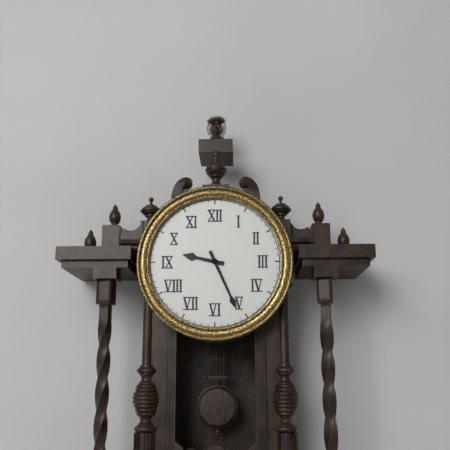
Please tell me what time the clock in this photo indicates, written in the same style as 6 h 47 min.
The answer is 9 h 26 min
